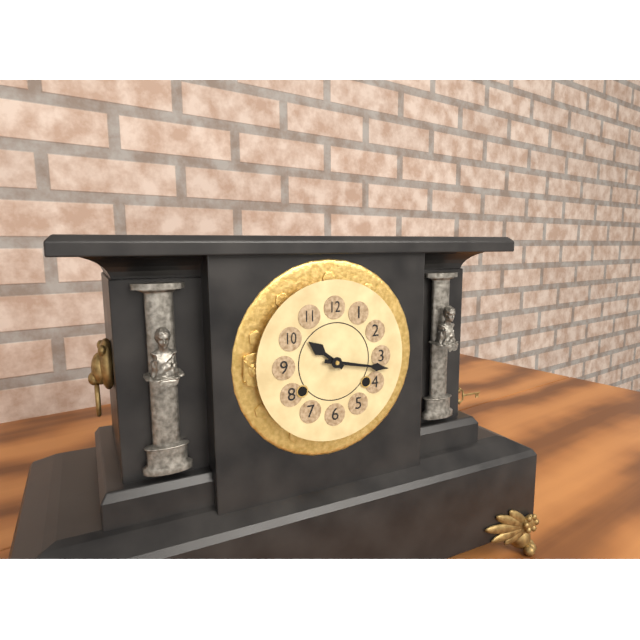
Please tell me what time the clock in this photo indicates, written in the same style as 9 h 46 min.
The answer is 10 h 17 min
